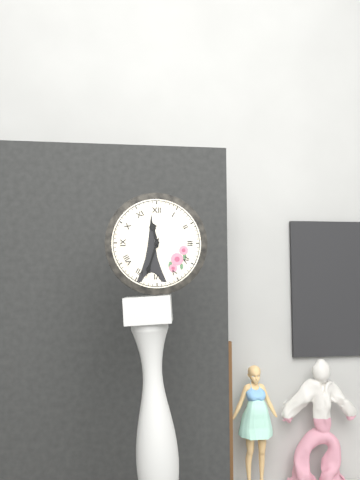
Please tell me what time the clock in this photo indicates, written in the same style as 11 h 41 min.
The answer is 11 h 33 min
